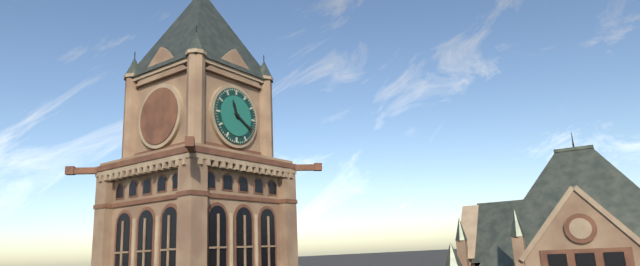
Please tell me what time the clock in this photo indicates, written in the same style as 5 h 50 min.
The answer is 11 h 20 min
